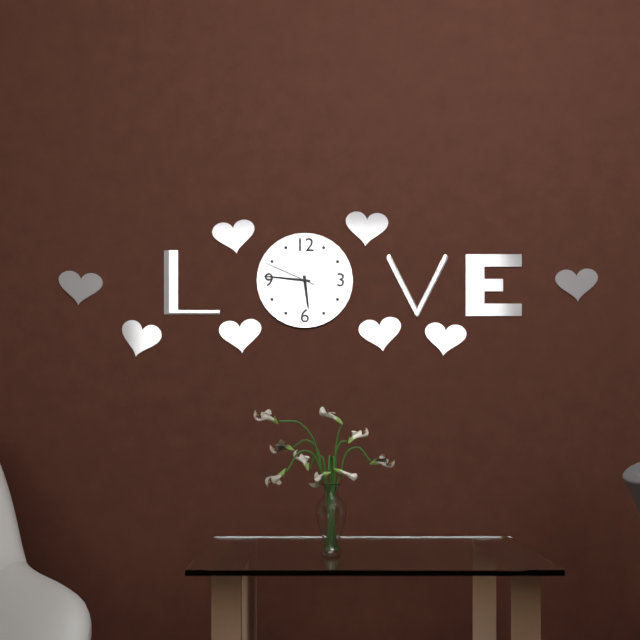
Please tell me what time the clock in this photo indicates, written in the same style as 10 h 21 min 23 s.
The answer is 5 h 46 min 49 s
